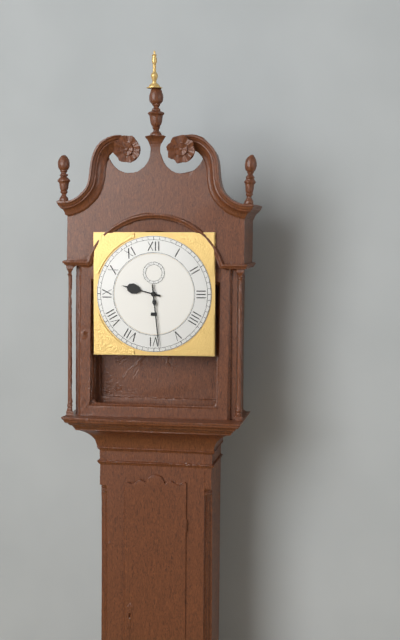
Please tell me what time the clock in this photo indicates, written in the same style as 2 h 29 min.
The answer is 9 h 29 min
